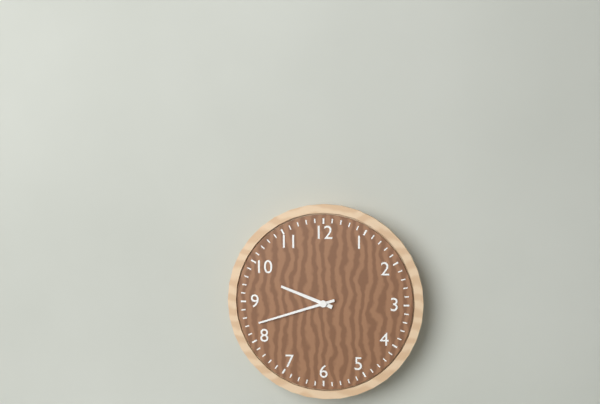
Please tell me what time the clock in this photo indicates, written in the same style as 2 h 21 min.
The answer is 9 h 42 min
